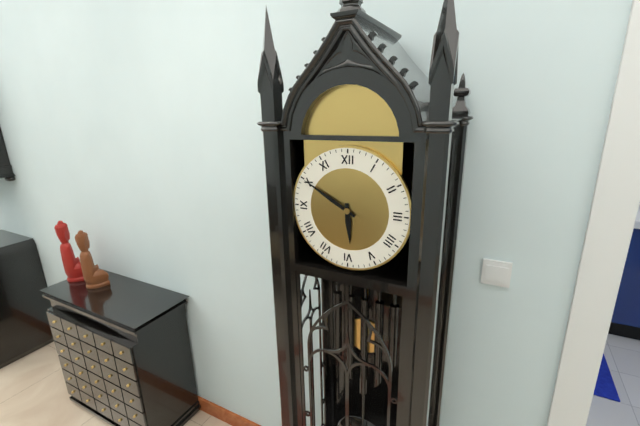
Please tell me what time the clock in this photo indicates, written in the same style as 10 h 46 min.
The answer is 5 h 50 min
